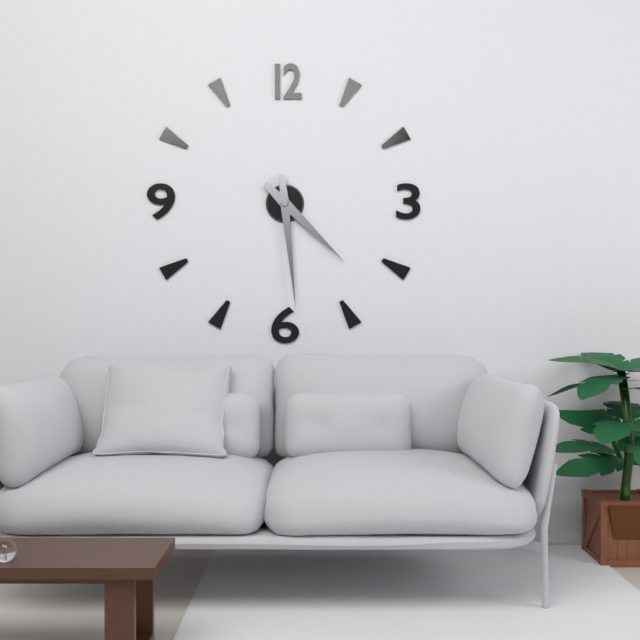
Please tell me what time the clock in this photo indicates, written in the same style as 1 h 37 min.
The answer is 4 h 29 min
